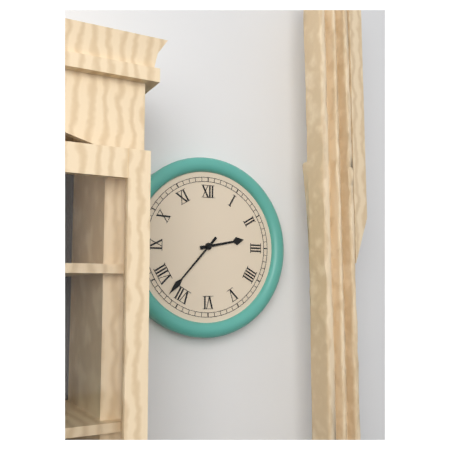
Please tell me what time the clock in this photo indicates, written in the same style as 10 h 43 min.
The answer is 2 h 37 min
